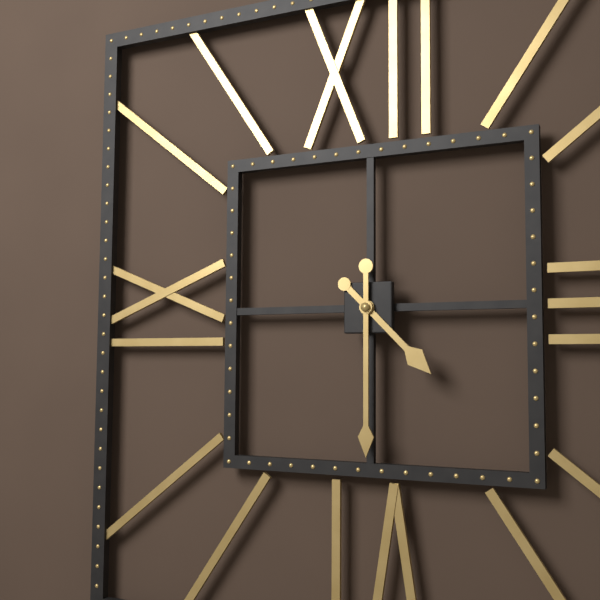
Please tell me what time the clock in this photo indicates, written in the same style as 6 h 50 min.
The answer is 4 h 30 min
